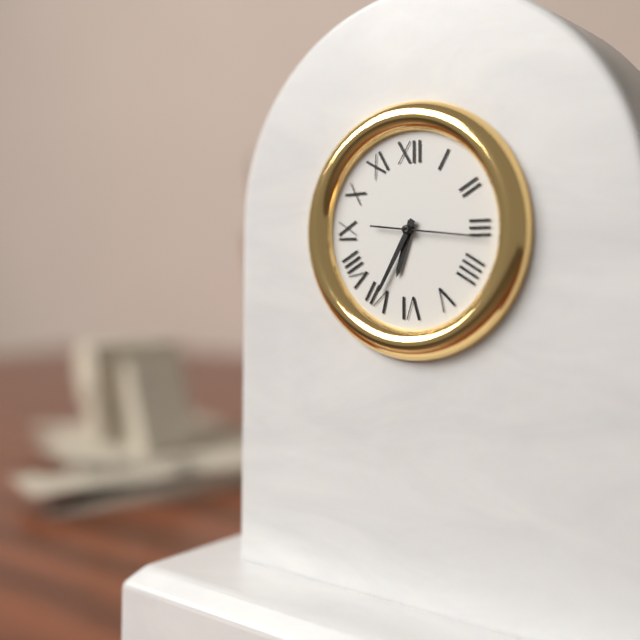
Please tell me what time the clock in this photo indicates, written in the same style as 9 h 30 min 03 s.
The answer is 6 h 35 min 16 s
